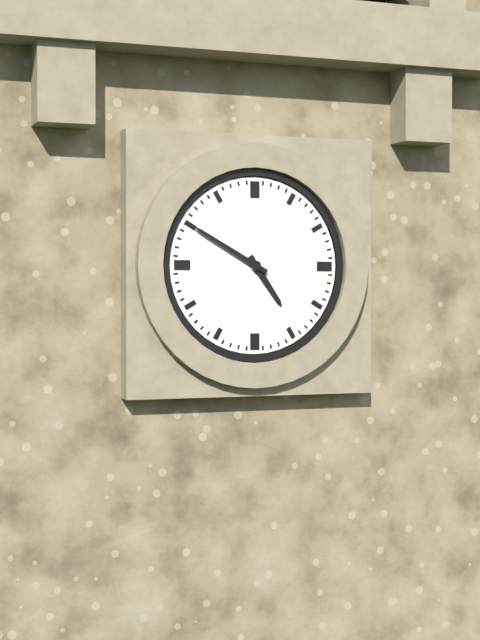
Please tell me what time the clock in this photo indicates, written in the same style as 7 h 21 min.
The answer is 4 h 50 min
